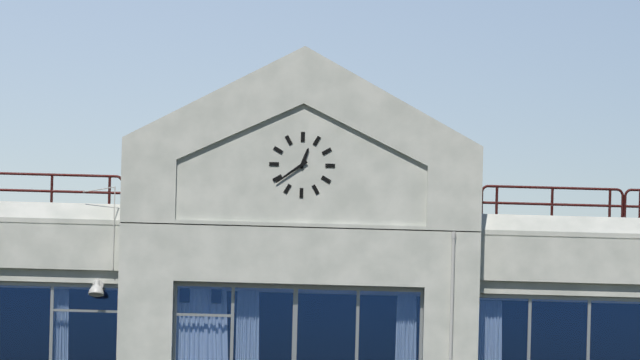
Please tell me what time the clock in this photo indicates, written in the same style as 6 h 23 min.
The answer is 12 h 39 min
